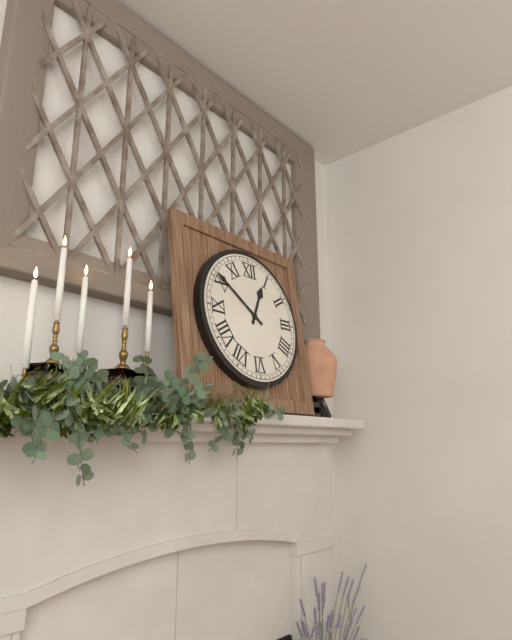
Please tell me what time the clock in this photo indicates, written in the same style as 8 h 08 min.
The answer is 12 h 51 min
